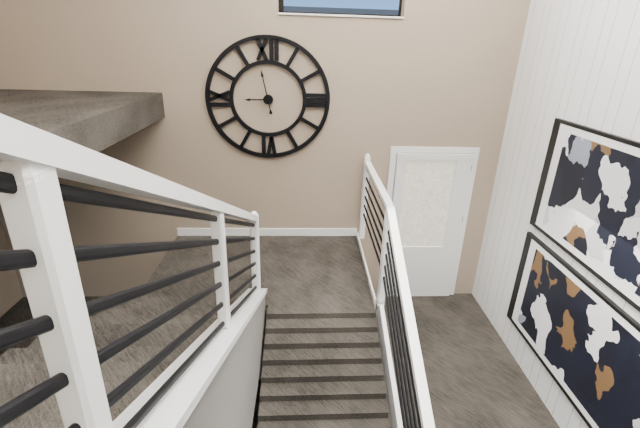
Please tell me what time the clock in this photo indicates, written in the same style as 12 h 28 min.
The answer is 8 h 58 min
